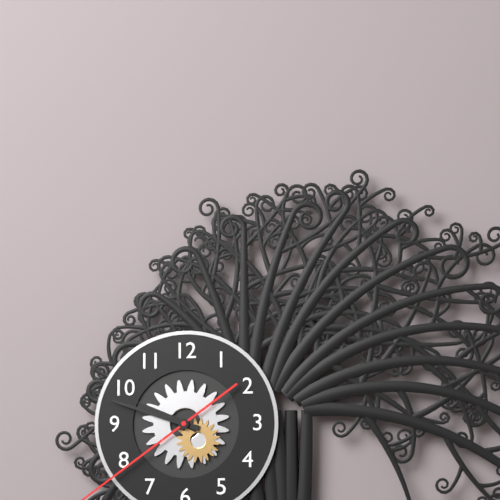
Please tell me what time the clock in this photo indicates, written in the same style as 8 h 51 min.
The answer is 9 h 48 min
